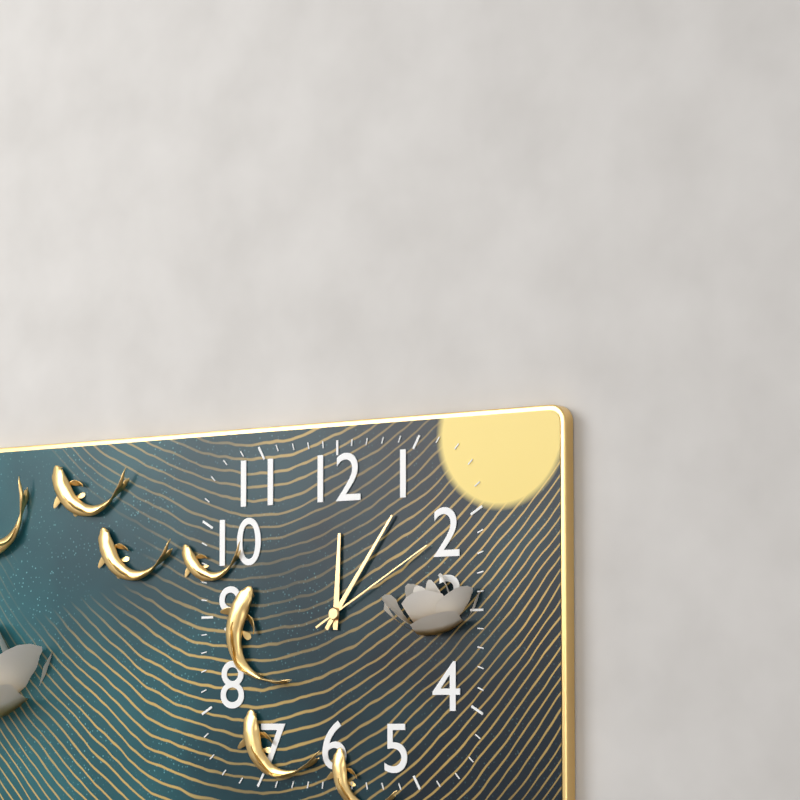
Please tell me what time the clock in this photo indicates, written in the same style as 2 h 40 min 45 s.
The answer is 12 h 06 min 10 s
